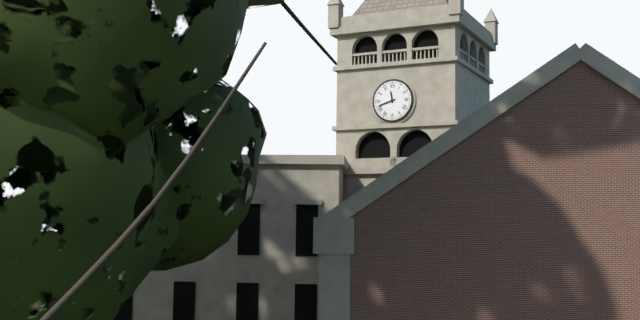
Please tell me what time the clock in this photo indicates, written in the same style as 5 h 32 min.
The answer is 11 h 42 min
